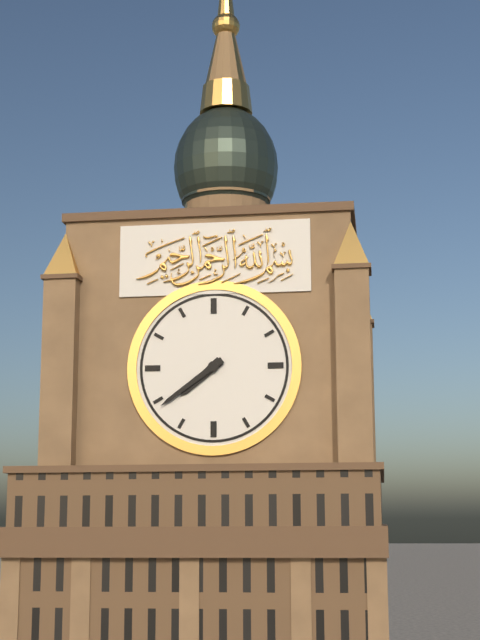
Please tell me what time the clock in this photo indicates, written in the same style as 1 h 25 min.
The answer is 7 h 39 min
